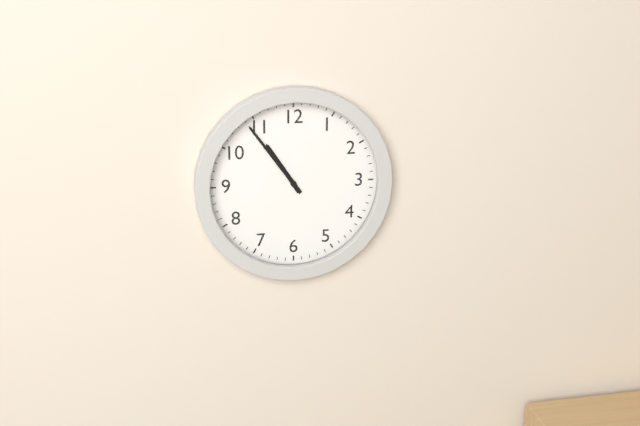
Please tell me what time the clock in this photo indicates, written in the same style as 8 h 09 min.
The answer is 10 h 54 min
